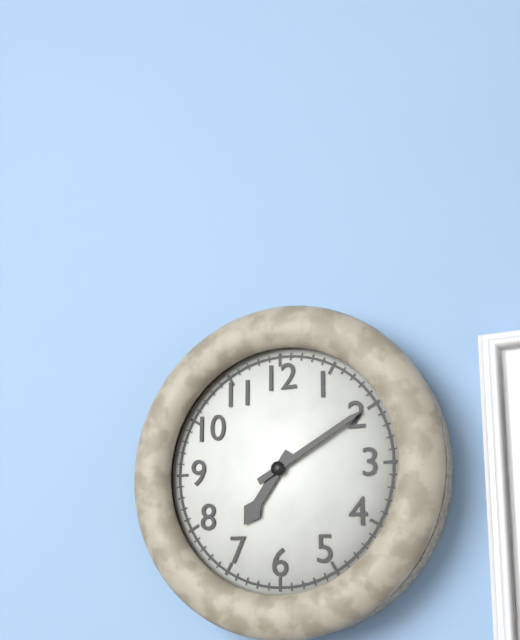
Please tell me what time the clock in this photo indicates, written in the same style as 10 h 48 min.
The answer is 7 h 10 min
